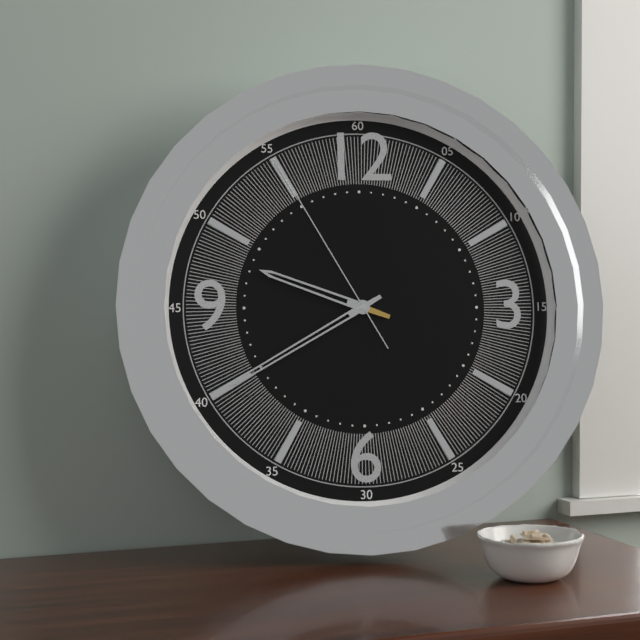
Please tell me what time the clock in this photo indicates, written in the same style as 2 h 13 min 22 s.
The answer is 9 h 40 min 55 s
